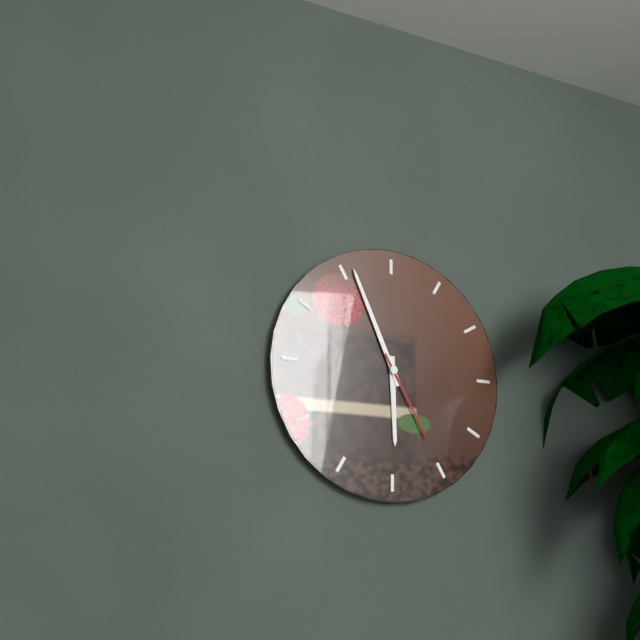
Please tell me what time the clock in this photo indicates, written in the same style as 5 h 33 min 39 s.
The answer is 5 h 56 min 25 s
